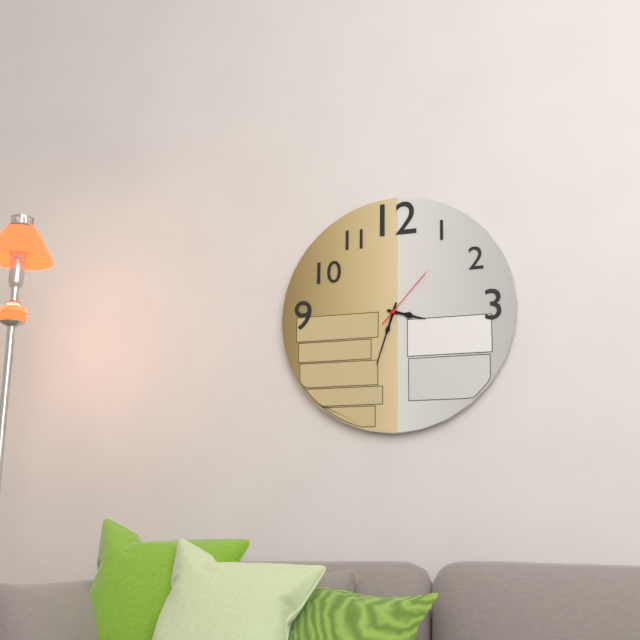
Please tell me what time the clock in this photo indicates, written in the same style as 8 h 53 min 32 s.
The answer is 3 h 33 min 07 s
